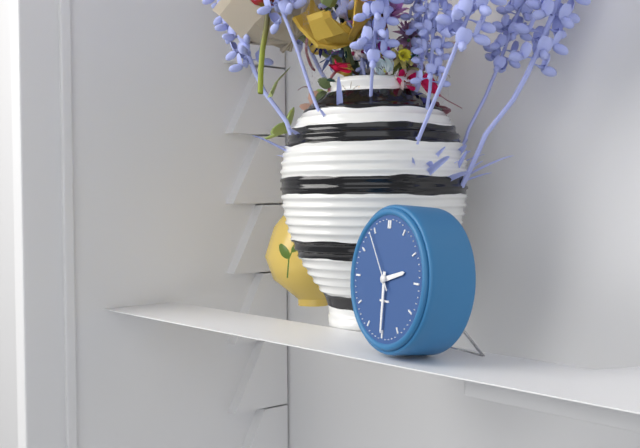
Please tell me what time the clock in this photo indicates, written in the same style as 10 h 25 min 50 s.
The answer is 2 h 30 min 54 s
